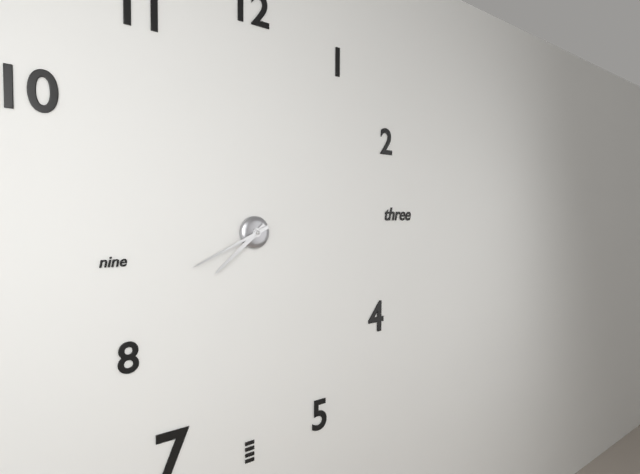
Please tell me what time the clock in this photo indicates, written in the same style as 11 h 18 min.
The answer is 7 h 41 min
